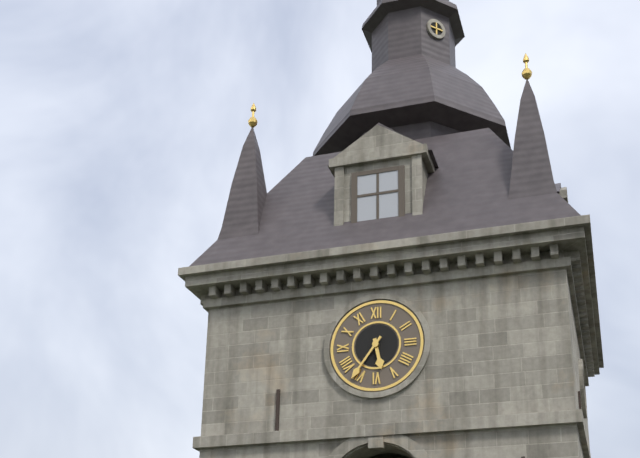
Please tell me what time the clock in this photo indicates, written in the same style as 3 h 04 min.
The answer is 5 h 36 min
